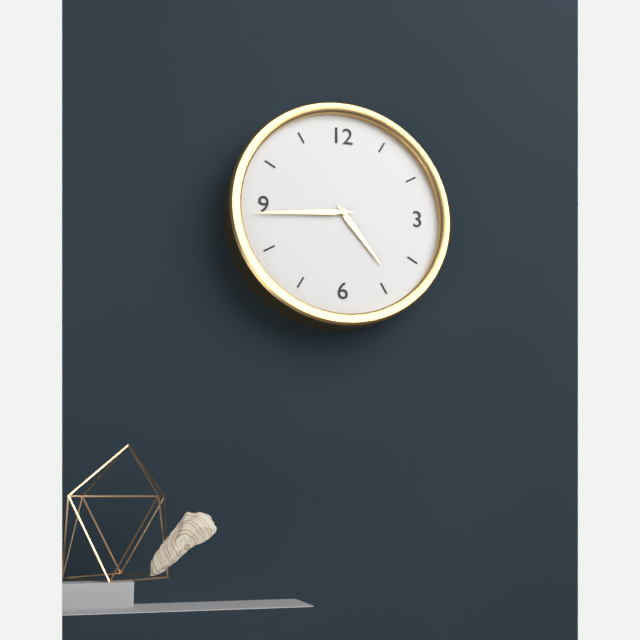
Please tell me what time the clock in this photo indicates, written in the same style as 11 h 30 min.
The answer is 4 h 44 min
